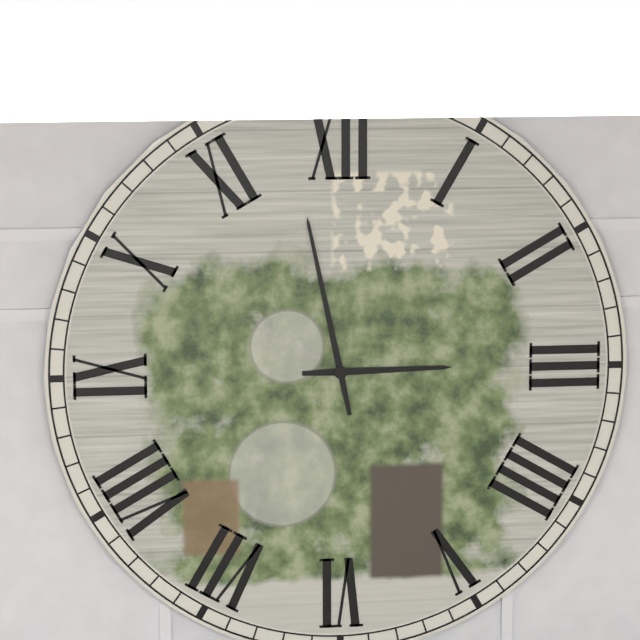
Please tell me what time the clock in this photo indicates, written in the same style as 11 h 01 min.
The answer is 2 h 58 min
